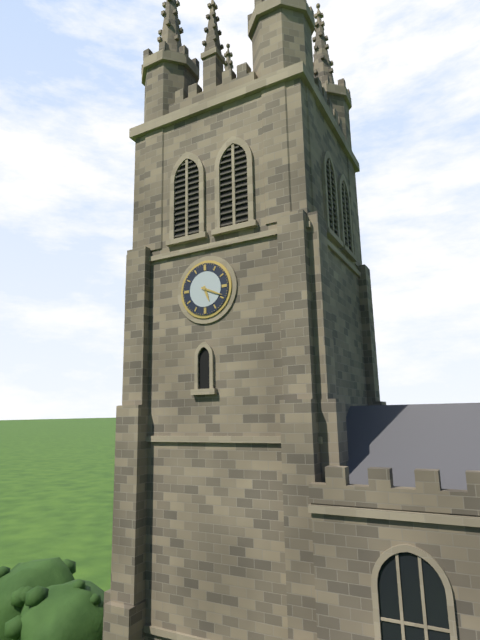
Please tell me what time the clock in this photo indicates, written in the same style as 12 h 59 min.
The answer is 5 h 19 min
